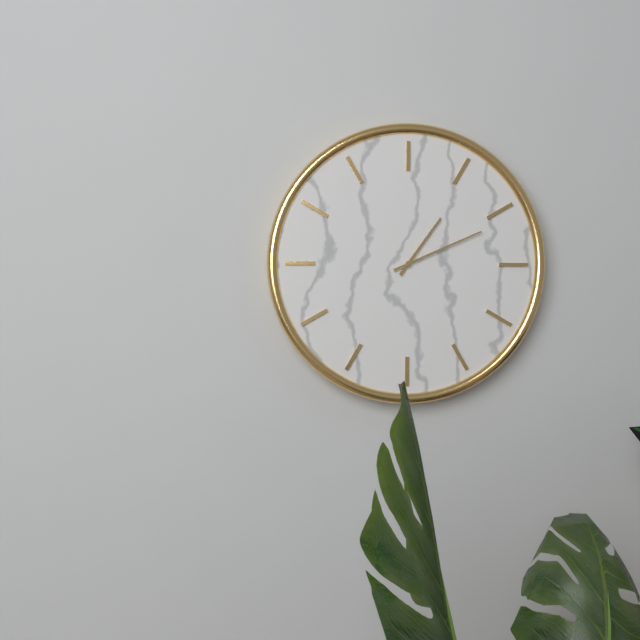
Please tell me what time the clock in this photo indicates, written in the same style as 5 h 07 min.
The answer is 1 h 11 min
